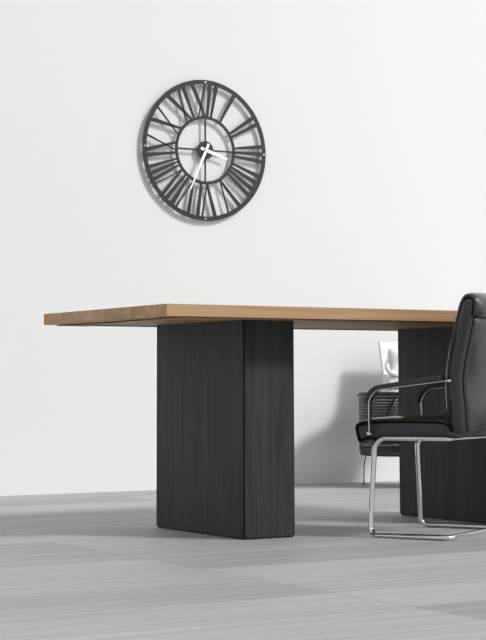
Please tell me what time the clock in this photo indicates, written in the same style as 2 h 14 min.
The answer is 3 h 34 min
